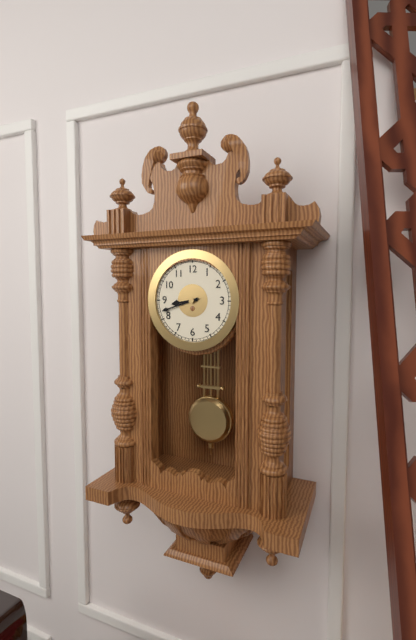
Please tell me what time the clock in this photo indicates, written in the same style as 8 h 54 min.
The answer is 8 h 42 min
